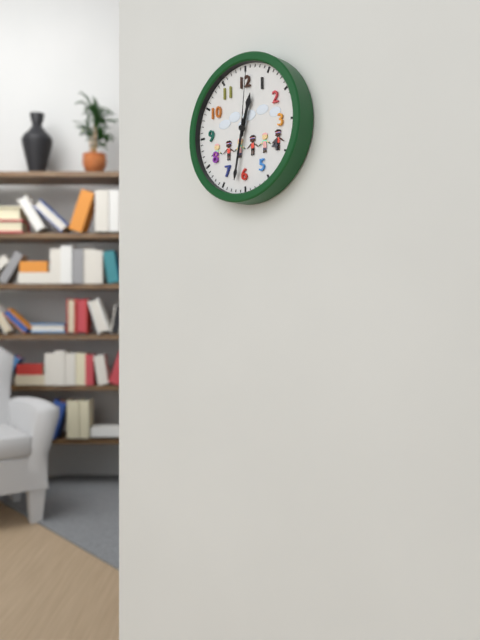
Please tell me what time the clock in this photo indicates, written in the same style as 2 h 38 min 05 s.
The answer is 12 h 32 min 01 s
